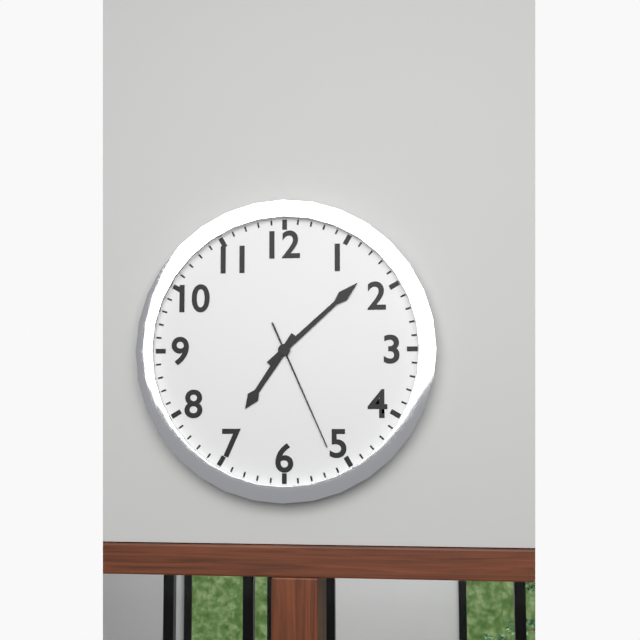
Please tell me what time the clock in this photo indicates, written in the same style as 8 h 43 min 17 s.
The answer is 7 h 08 min 26 s
